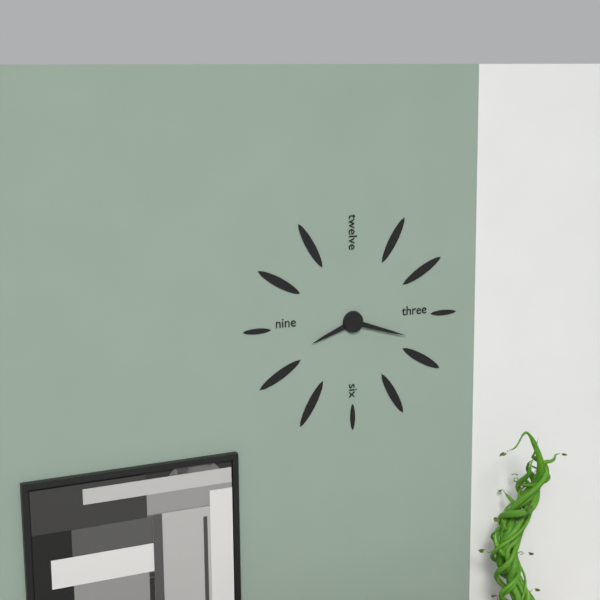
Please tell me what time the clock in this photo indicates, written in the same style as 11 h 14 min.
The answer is 8 h 18 min
